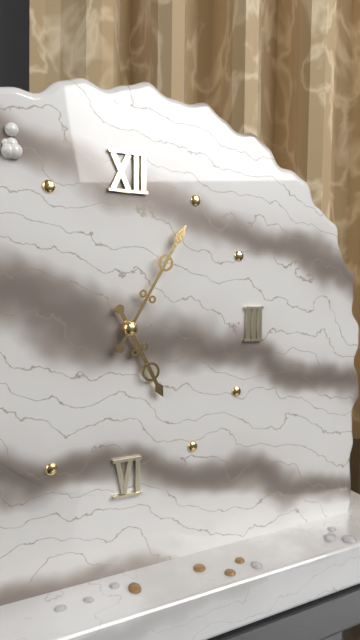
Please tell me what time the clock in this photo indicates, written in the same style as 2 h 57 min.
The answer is 5 h 05 min
